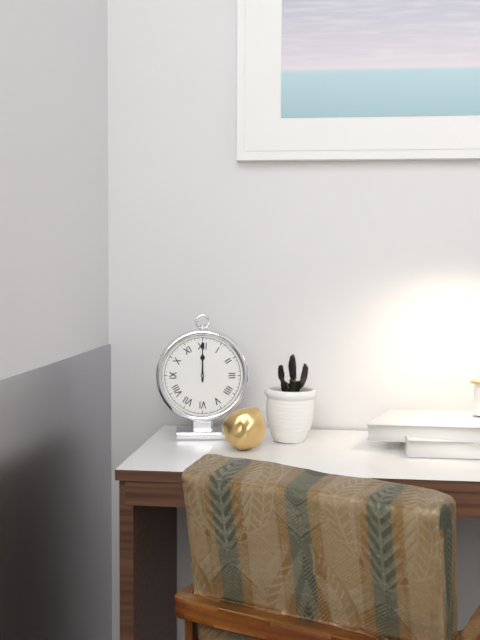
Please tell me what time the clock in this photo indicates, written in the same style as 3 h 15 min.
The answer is 12 h 00 min
